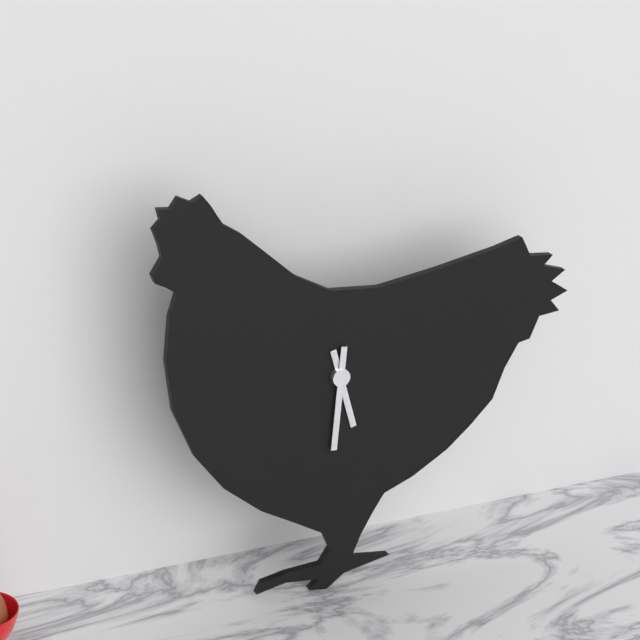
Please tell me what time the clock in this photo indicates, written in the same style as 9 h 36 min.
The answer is 5 h 31 min
